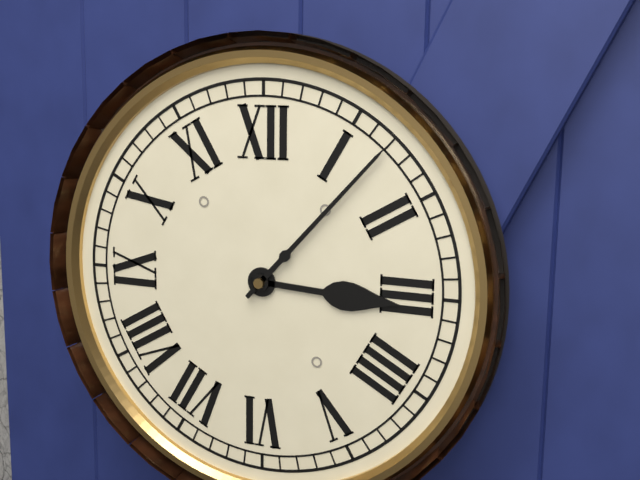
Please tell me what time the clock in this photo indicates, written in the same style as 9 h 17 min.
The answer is 3 h 07 min
